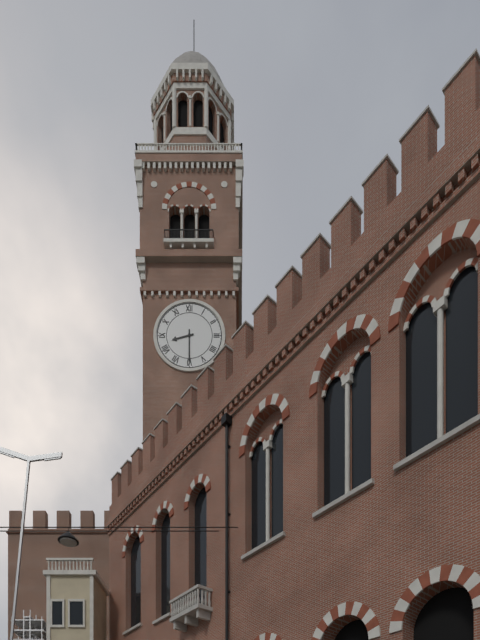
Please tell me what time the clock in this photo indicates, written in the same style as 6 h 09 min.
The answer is 8 h 30 min
